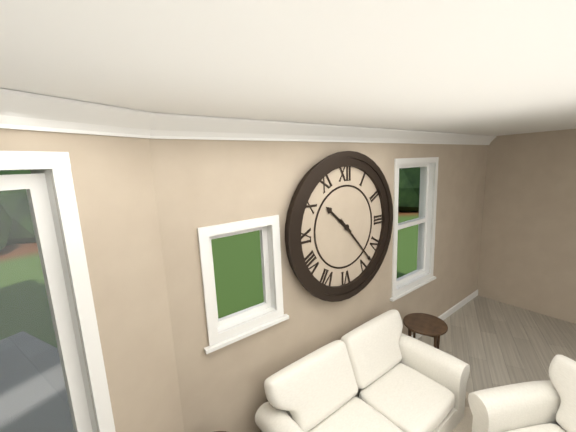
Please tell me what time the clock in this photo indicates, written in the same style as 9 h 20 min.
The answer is 10 h 23 min
